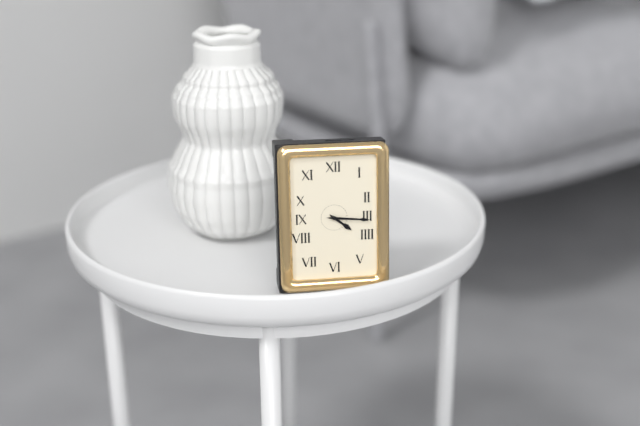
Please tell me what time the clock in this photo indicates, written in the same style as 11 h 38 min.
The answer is 4 h 16 min
